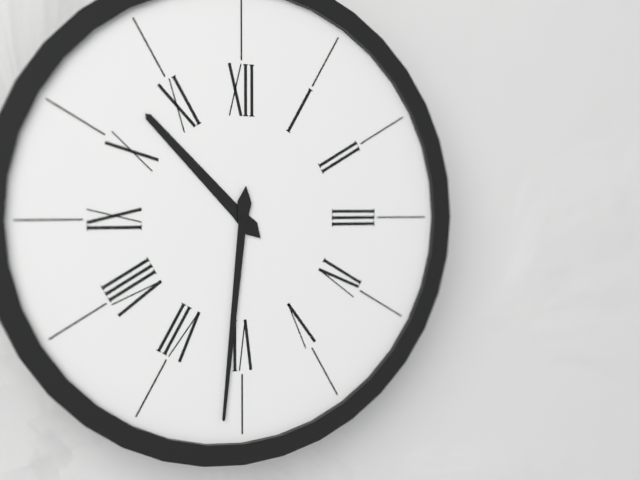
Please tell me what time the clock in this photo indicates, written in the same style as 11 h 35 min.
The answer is 10 h 31 min
